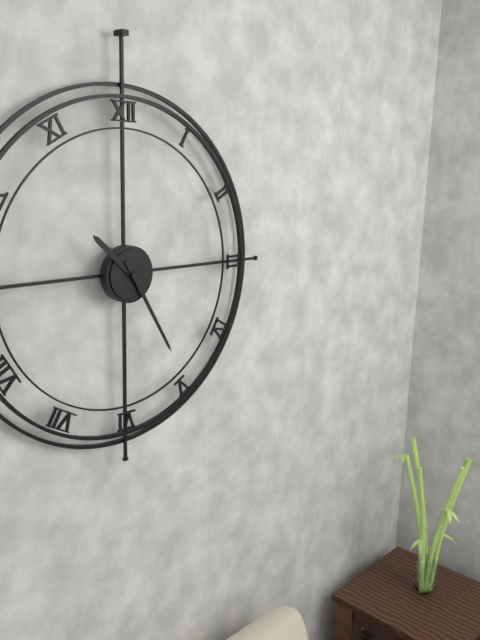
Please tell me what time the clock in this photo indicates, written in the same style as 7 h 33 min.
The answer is 10 h 25 min
